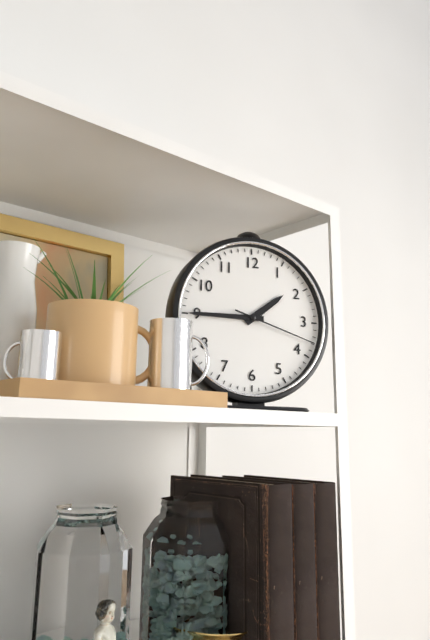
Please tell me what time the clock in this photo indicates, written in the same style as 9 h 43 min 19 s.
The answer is 1 h 45 min 18 s
